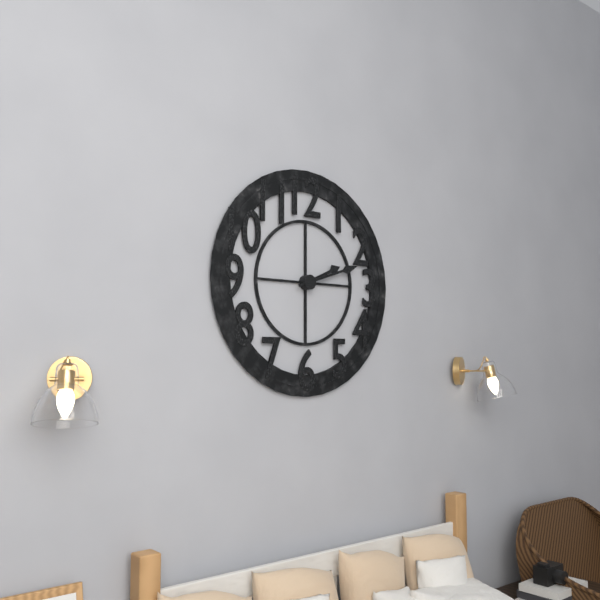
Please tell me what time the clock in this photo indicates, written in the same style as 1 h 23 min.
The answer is 2 h 12 min
